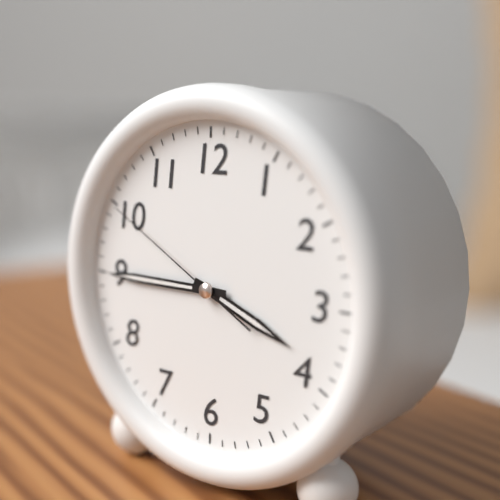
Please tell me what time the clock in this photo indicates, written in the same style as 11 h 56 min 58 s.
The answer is 3 h 45 min 50 s
